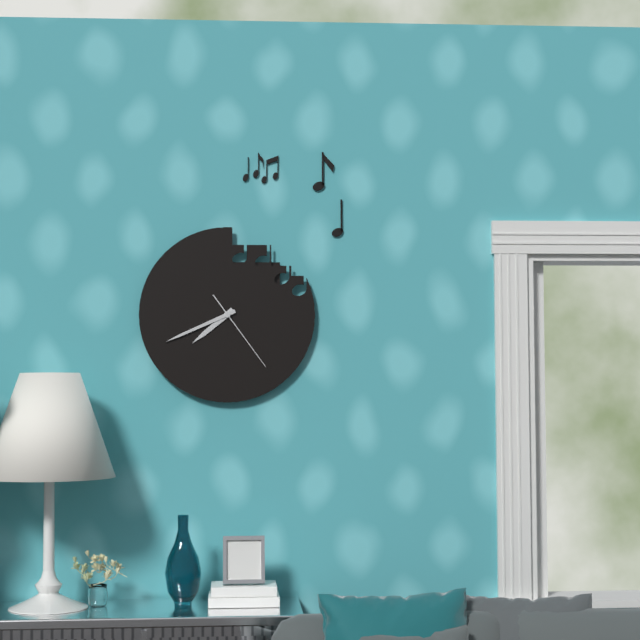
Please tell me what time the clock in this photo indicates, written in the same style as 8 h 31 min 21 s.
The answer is 7 h 41 min 24 s
